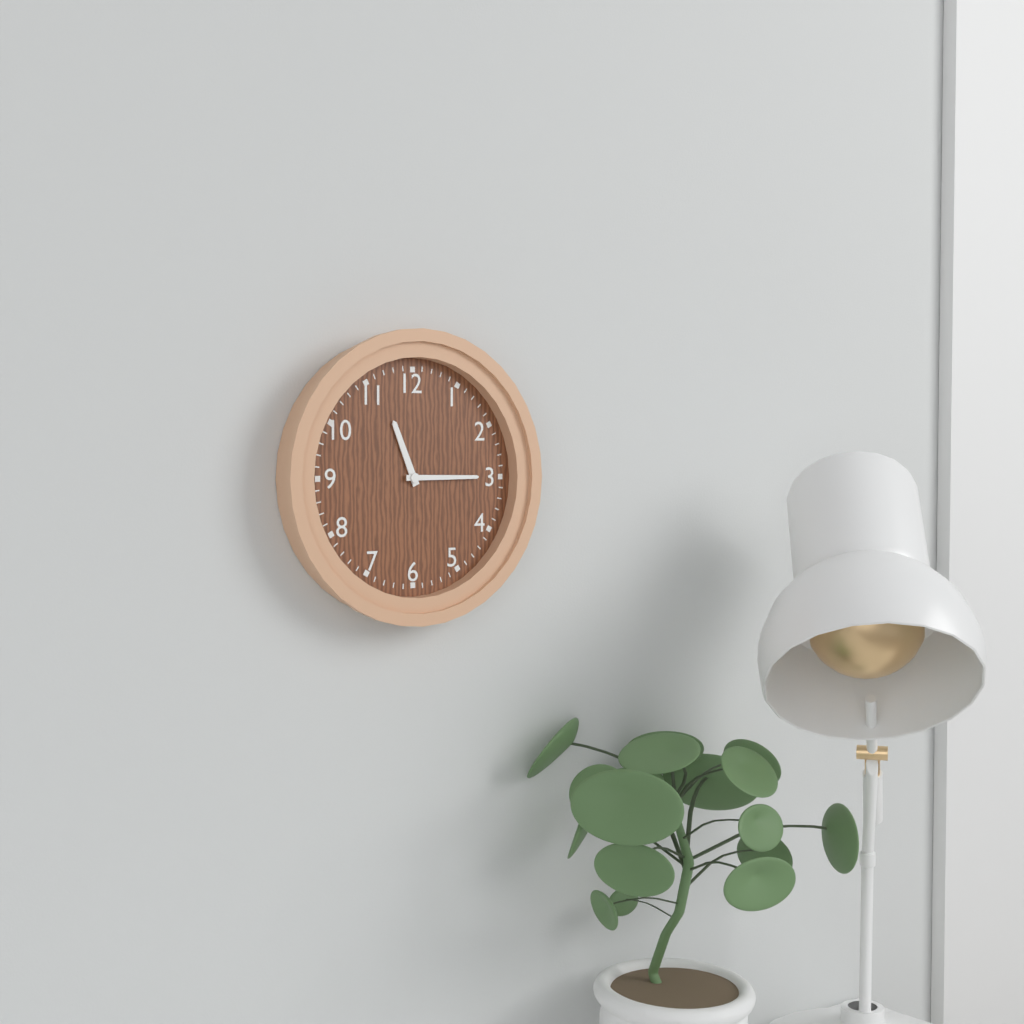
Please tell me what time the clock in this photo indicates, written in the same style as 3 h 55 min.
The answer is 11 h 15 min
